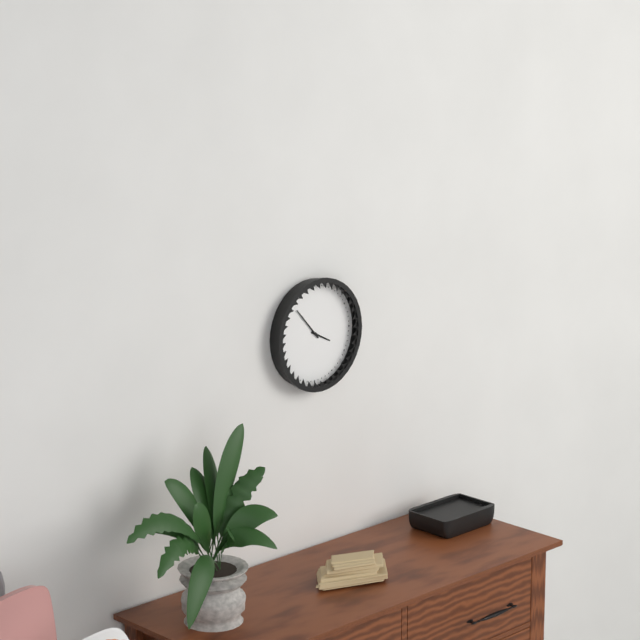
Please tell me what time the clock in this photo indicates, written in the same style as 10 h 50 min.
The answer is 3 h 53 min
